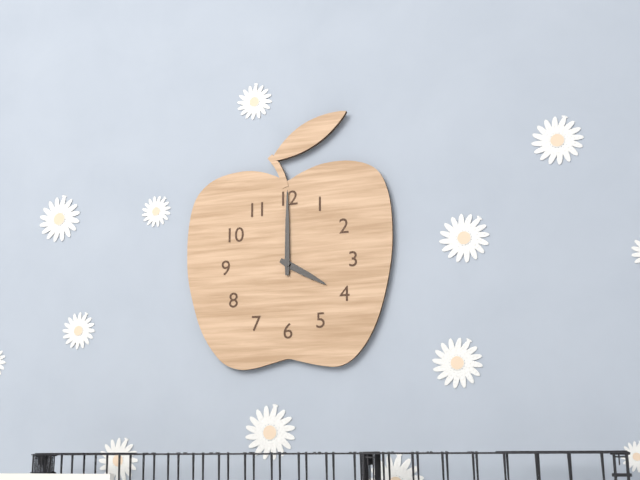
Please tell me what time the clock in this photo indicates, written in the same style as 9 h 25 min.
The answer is 4 h 00 min
